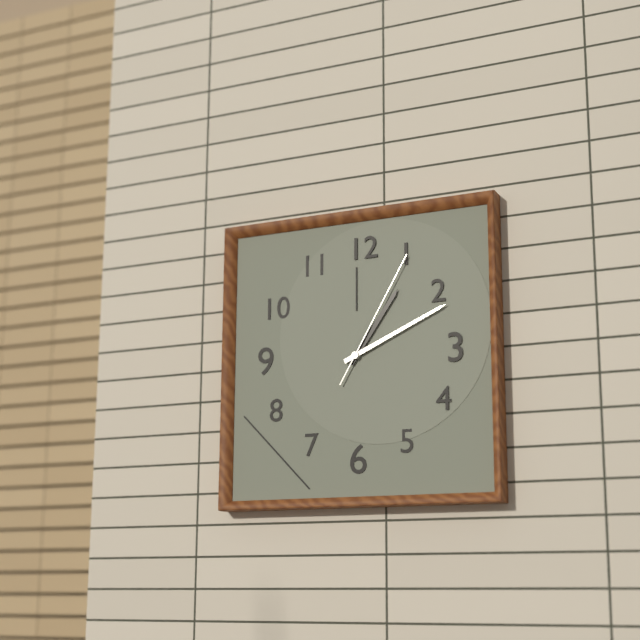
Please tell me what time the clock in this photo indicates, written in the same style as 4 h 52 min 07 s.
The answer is 1 h 11 min 05 s
